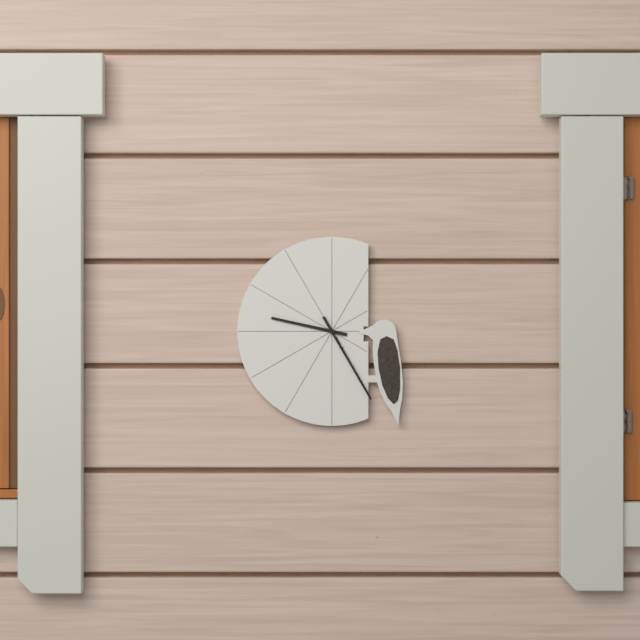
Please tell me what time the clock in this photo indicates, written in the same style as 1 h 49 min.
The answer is 9 h 25 min
